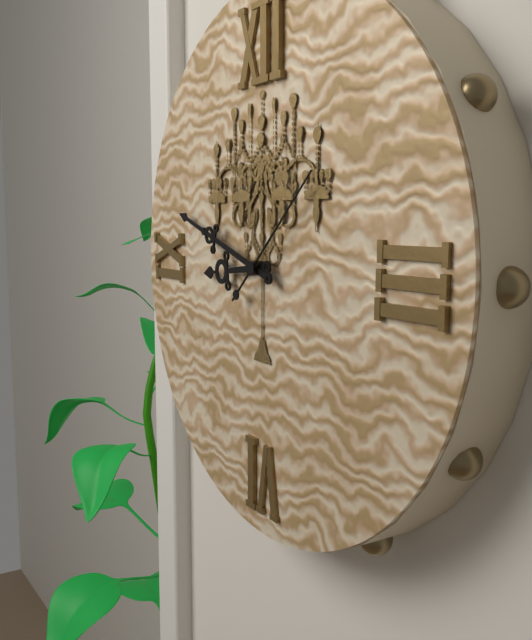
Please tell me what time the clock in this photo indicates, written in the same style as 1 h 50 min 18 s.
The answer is 8 h 48 min 08 s
